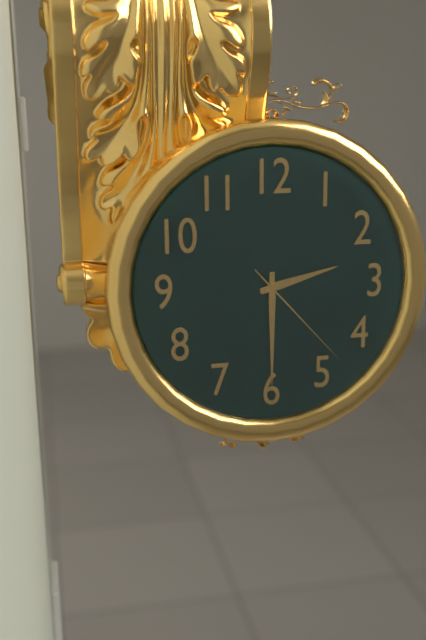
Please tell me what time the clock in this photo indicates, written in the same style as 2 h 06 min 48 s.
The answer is 2 h 30 min 23 s
